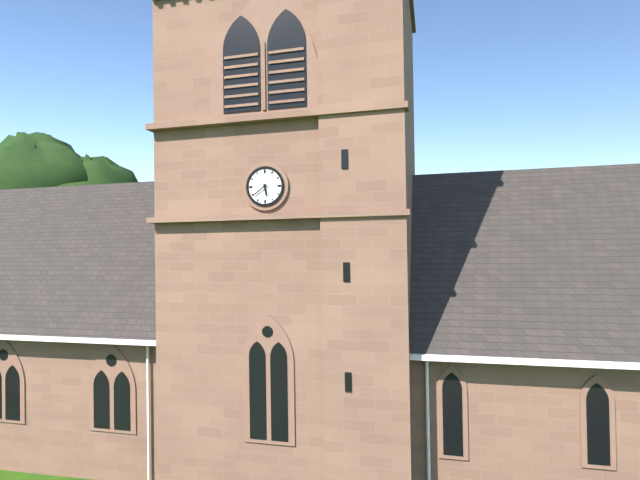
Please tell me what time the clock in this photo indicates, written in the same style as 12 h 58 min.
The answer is 5 h 39 min
